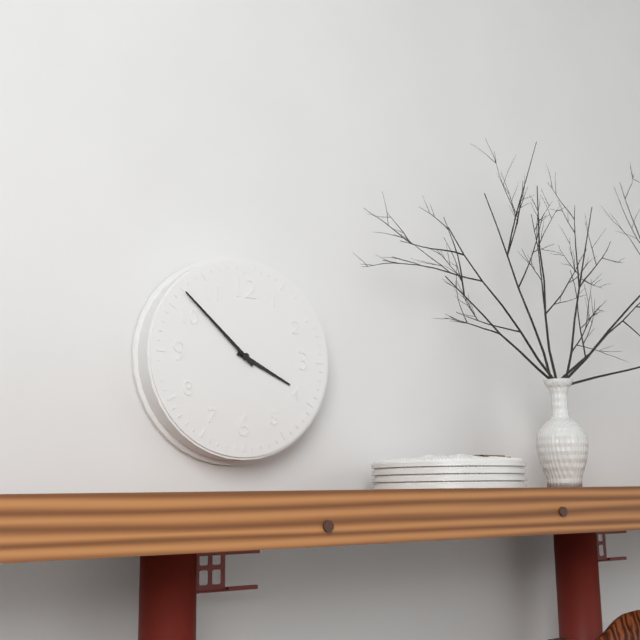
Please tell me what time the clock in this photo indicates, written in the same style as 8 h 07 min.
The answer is 3 h 52 min
